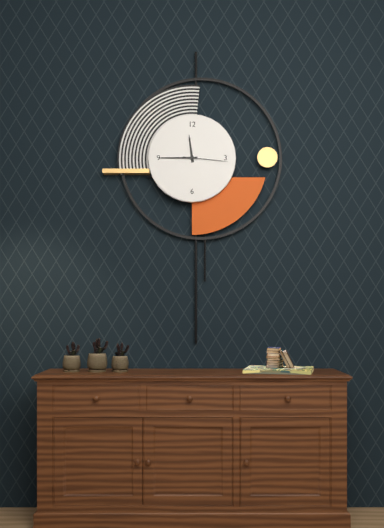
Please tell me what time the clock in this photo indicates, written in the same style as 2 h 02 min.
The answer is 11 h 45 min
